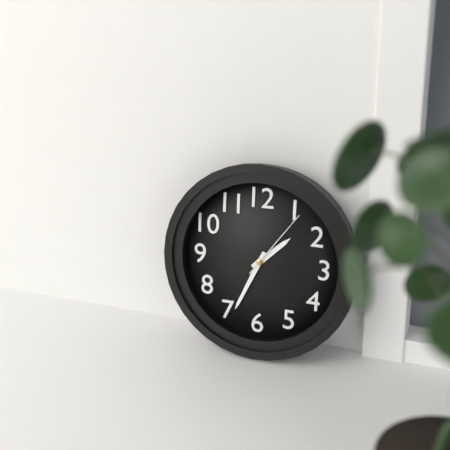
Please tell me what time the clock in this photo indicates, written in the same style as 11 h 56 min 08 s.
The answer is 1 h 34 min 06 s
